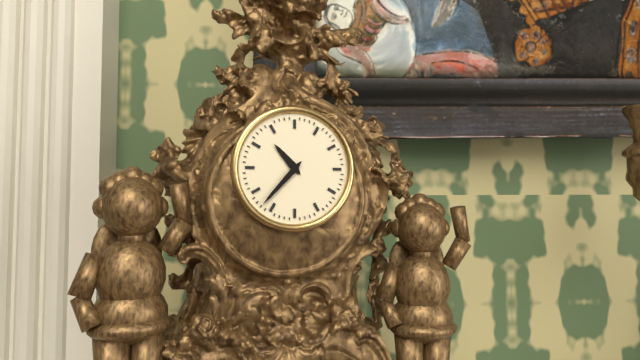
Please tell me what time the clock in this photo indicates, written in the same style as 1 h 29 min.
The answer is 10 h 37 min
